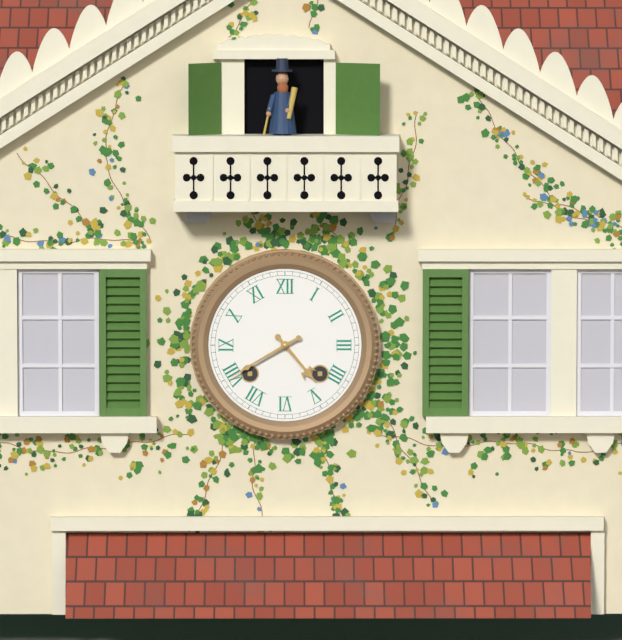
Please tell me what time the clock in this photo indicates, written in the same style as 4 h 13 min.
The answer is 4 h 40 min
